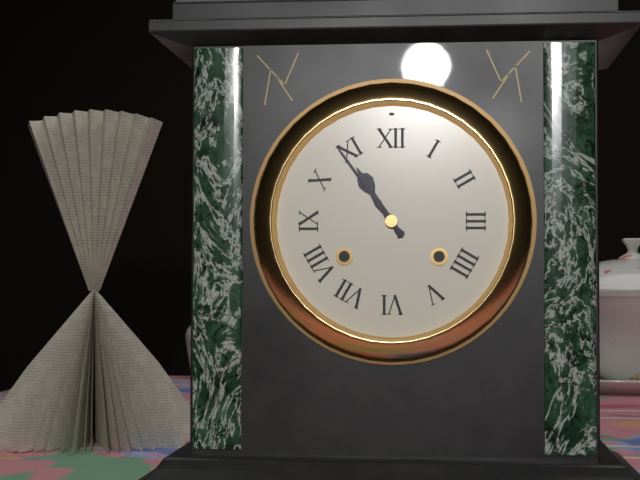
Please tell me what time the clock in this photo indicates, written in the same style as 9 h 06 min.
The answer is 10 h 54 min
